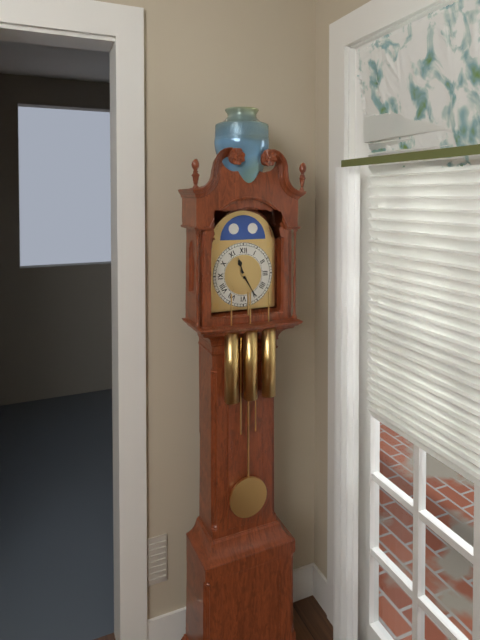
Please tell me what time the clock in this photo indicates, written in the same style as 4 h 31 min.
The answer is 11 h 25 min
